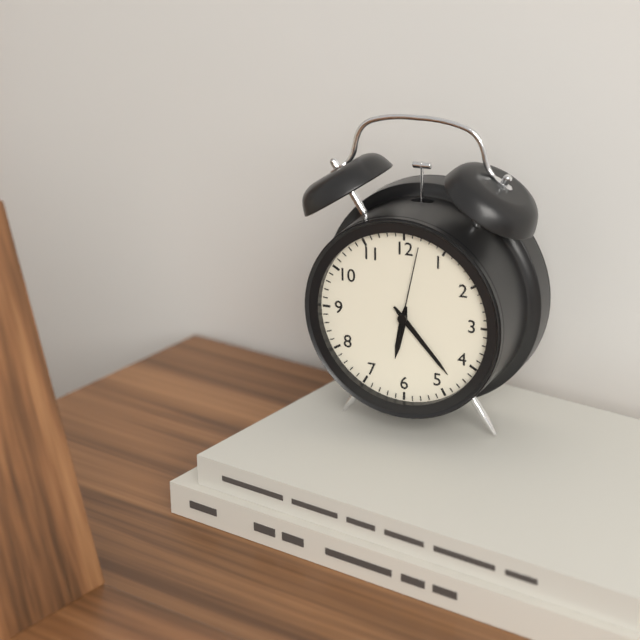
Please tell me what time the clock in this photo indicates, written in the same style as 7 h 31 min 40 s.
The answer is 6 h 23 min 02 s
